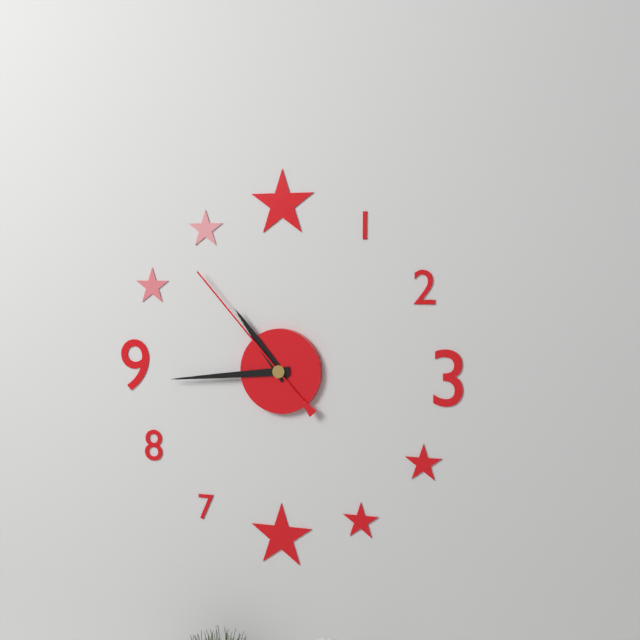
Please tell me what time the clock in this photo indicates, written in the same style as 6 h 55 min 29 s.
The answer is 10 h 44 min 53 s
